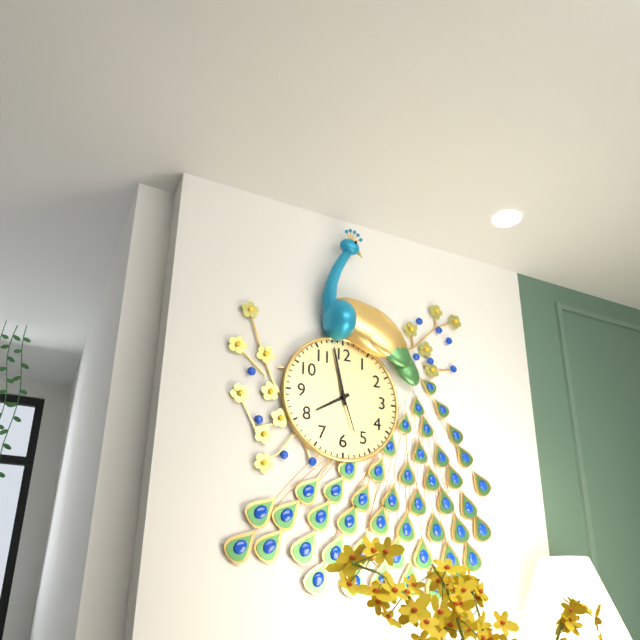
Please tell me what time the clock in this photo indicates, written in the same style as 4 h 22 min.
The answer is 7 h 58 min
